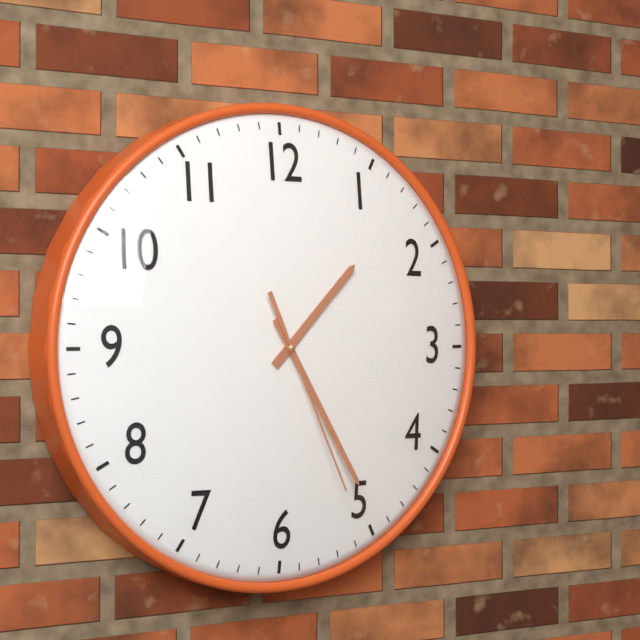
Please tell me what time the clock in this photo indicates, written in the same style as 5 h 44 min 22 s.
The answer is 1 h 25 min 26 s
